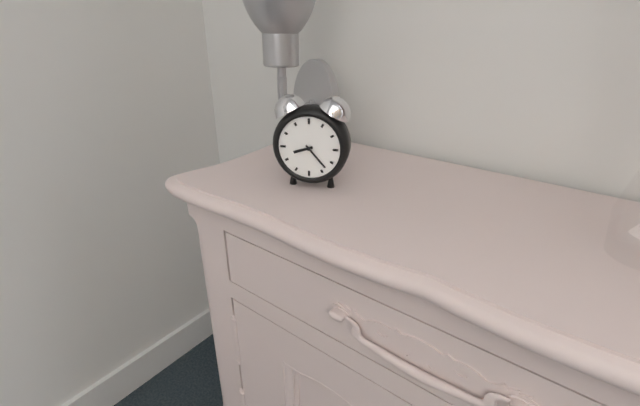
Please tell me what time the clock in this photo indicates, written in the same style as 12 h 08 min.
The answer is 8 h 23 min
